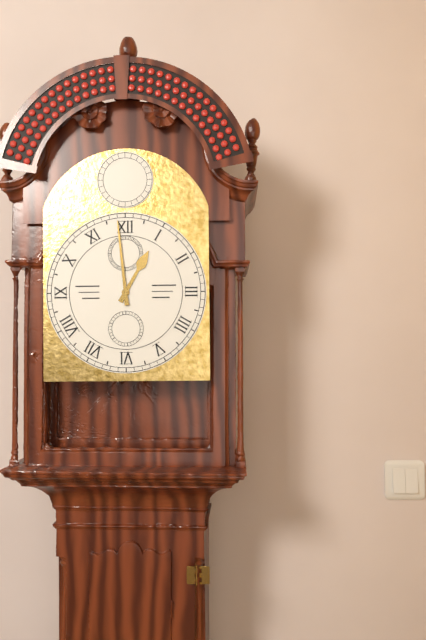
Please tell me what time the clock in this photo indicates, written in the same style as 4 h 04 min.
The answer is 12 h 59 min
